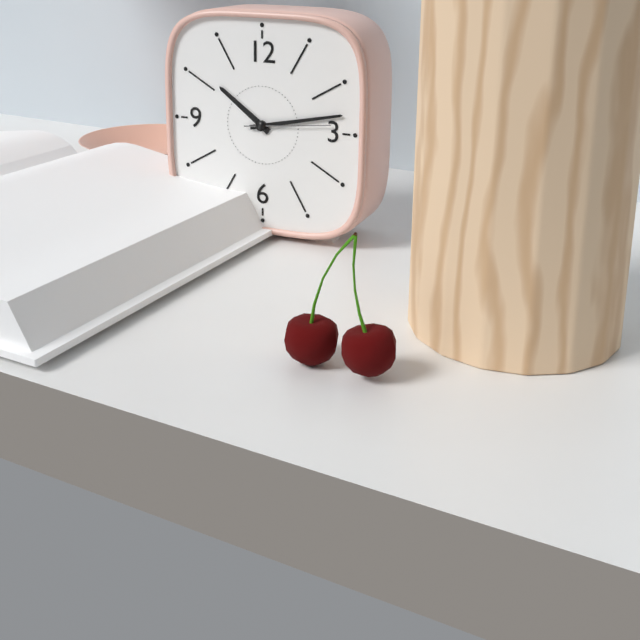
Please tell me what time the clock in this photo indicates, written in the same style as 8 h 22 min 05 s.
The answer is 10 h 13 min 14 s
